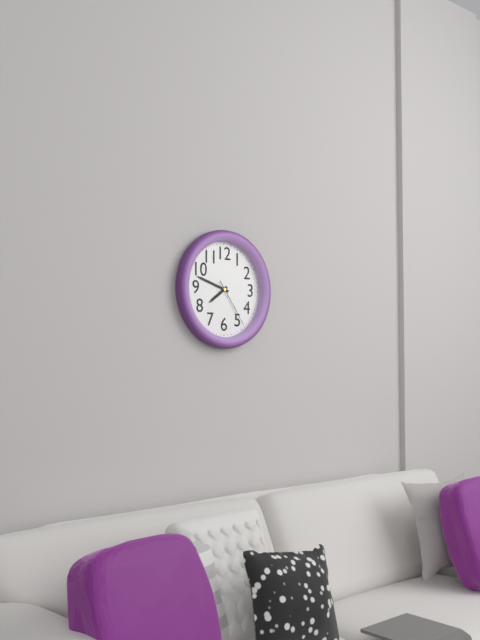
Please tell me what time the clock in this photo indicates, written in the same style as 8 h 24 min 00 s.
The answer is 7 h 48 min 24 s
